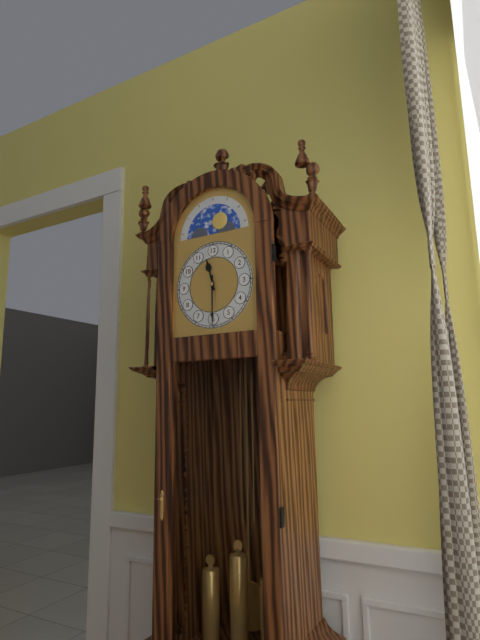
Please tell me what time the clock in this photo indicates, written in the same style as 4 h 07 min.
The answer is 11 h 30 min
